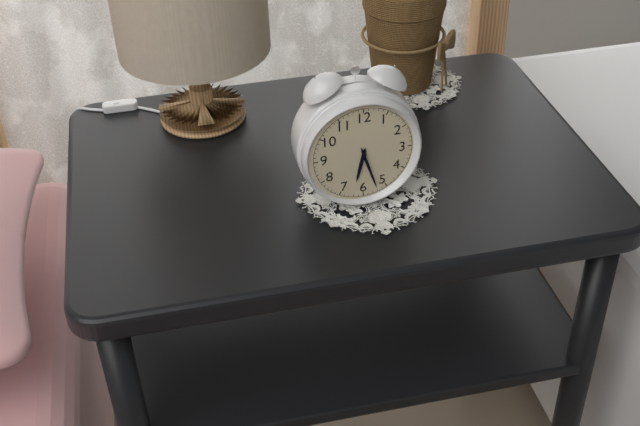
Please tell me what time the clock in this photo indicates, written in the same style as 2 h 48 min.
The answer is 6 h 27 min
